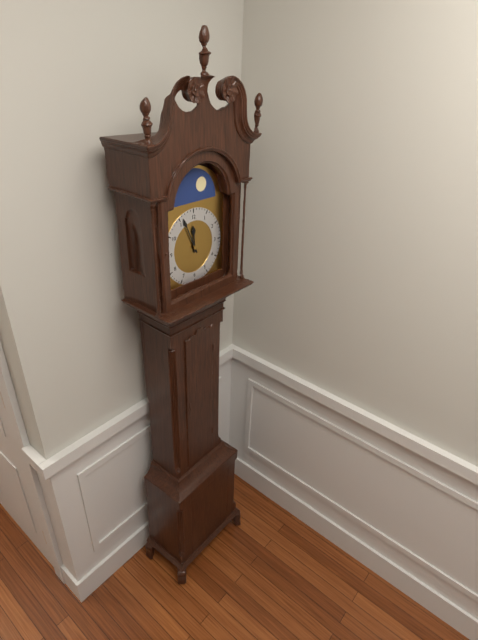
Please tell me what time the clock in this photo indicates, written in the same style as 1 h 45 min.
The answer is 11 h 56 min
